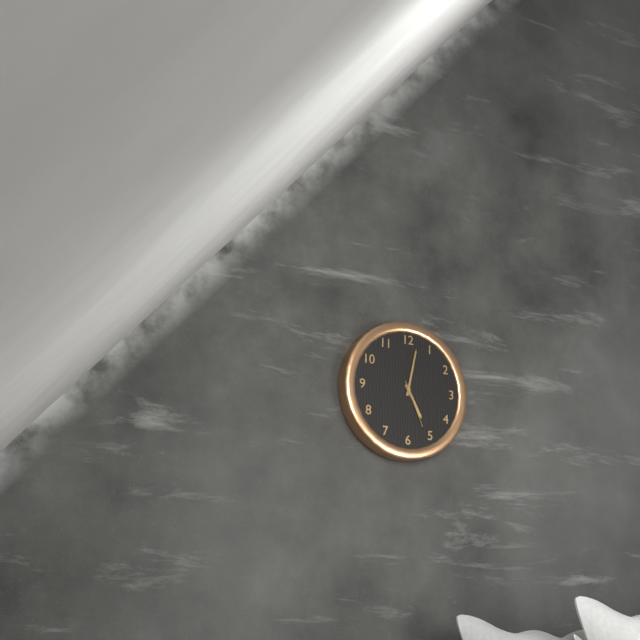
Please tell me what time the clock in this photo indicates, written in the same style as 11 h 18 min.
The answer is 5 h 02 min
